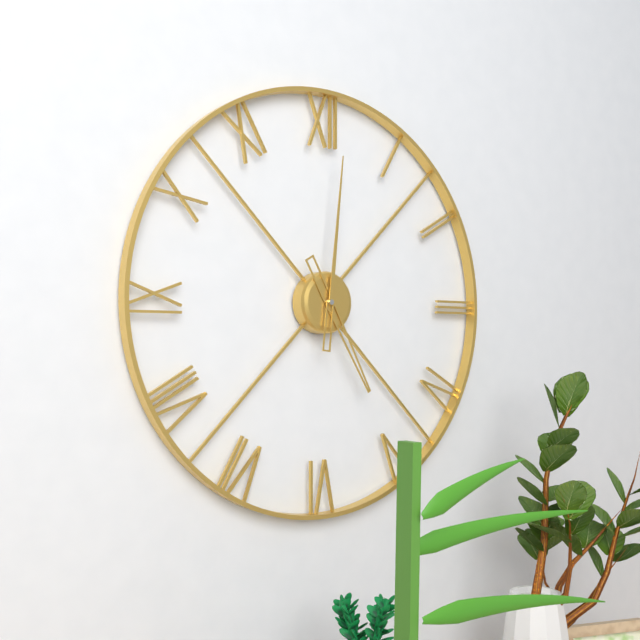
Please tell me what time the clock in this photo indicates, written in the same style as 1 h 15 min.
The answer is 5 h 01 min
